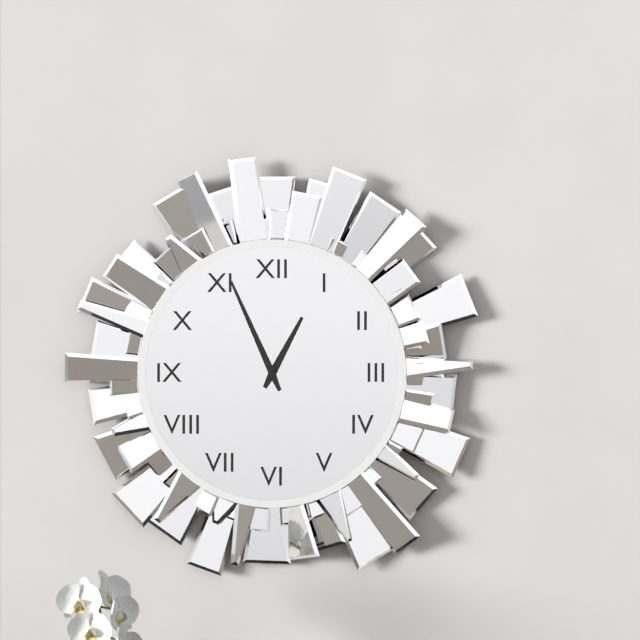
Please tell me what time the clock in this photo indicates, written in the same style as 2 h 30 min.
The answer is 12 h 56 min
